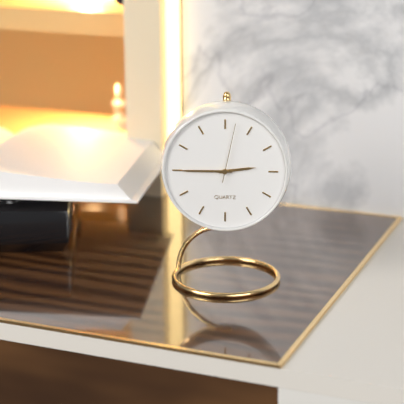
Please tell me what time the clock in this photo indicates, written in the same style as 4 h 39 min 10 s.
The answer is 2 h 45 min 02 s
